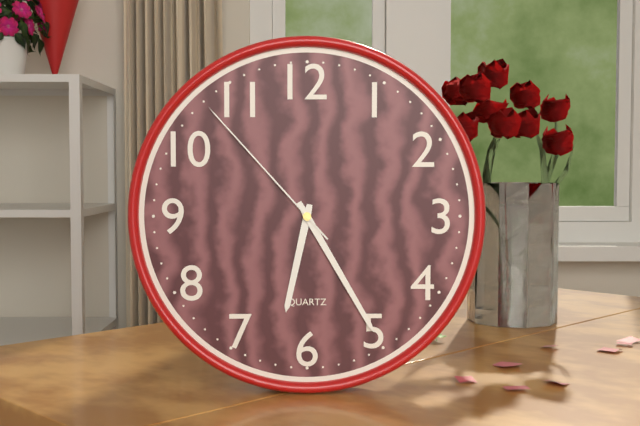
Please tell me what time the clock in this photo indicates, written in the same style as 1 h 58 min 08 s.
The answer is 6 h 25 min 53 s
